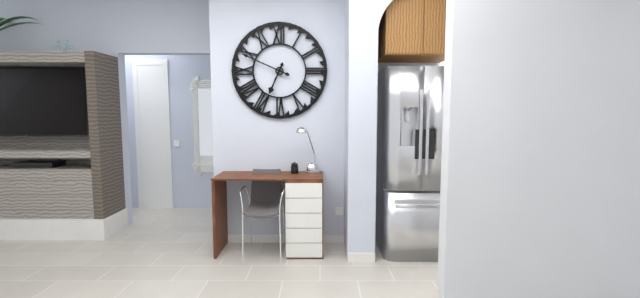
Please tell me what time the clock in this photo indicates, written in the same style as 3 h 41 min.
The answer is 6 h 49 min
